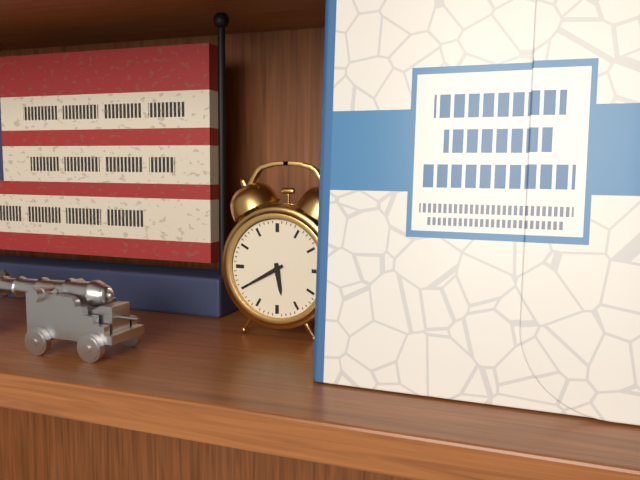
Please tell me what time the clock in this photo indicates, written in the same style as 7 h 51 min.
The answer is 5 h 40 min
